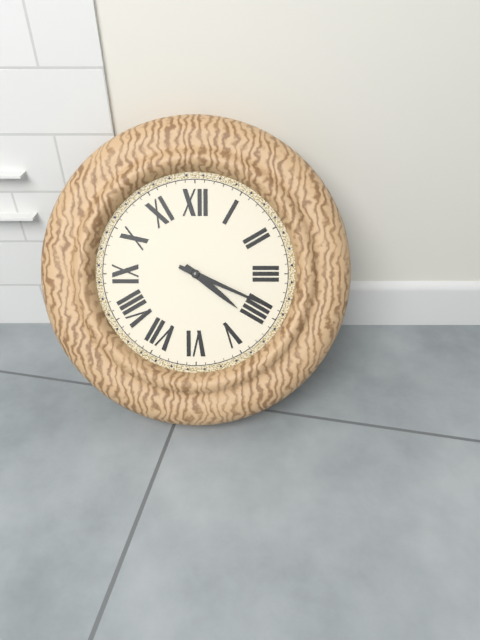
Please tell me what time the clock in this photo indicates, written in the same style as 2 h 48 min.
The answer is 4 h 19 min
